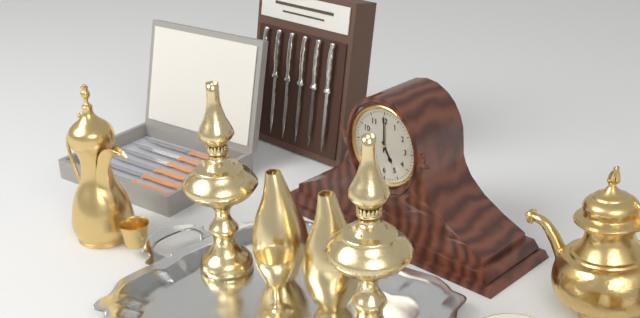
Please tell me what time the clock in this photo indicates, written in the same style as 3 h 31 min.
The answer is 5 h 00 min
